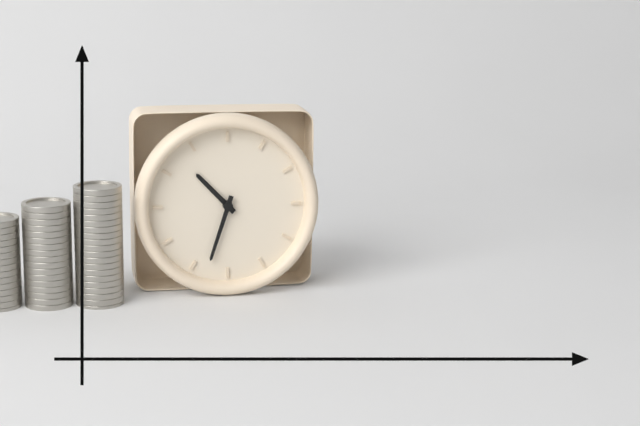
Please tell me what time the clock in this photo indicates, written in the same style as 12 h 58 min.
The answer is 10 h 33 min
